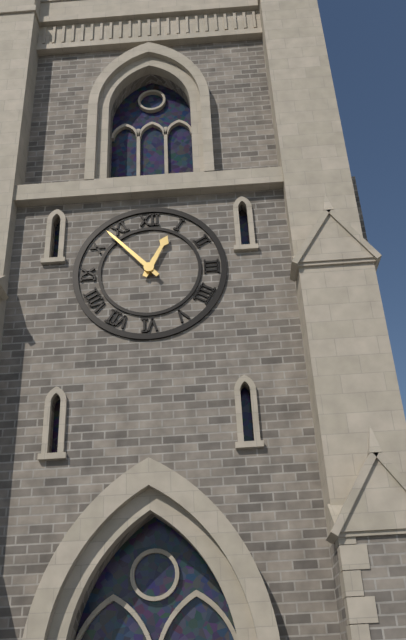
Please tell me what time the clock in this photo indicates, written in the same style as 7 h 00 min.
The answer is 12 h 53 min
